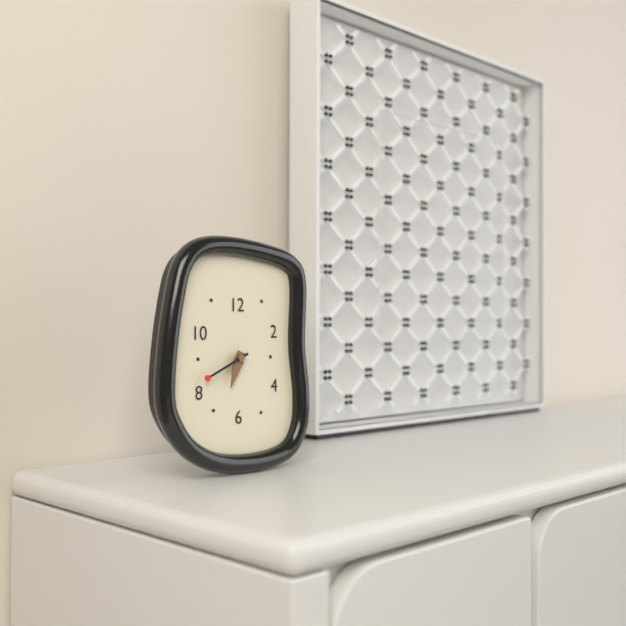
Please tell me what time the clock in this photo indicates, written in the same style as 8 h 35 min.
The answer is 6 h 41 min
